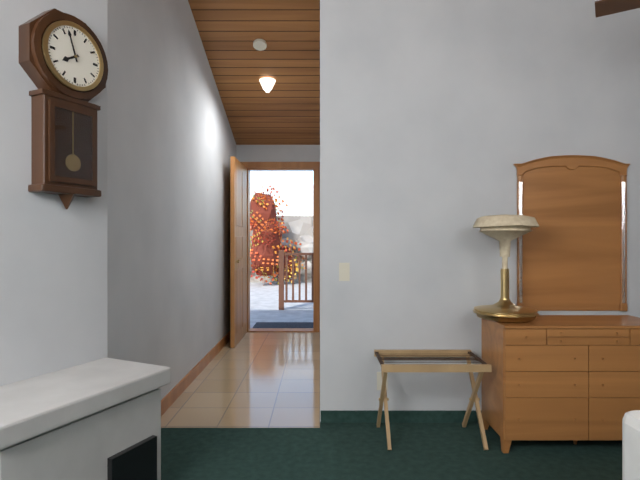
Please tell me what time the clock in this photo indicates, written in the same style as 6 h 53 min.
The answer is 7 h 57 min
